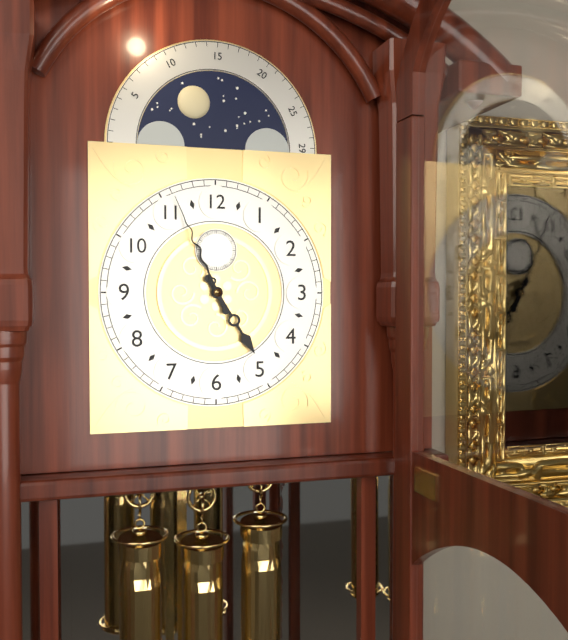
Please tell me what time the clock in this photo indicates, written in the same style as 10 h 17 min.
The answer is 4 h 56 min
